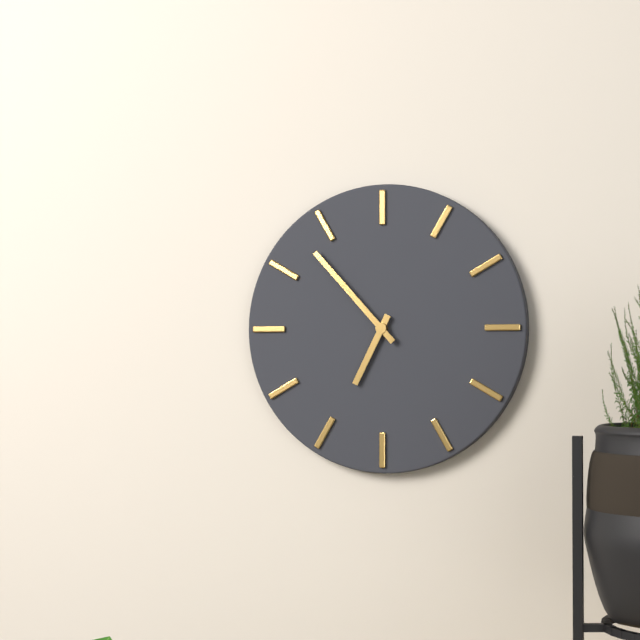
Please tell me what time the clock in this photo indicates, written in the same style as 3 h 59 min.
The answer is 6 h 53 min
